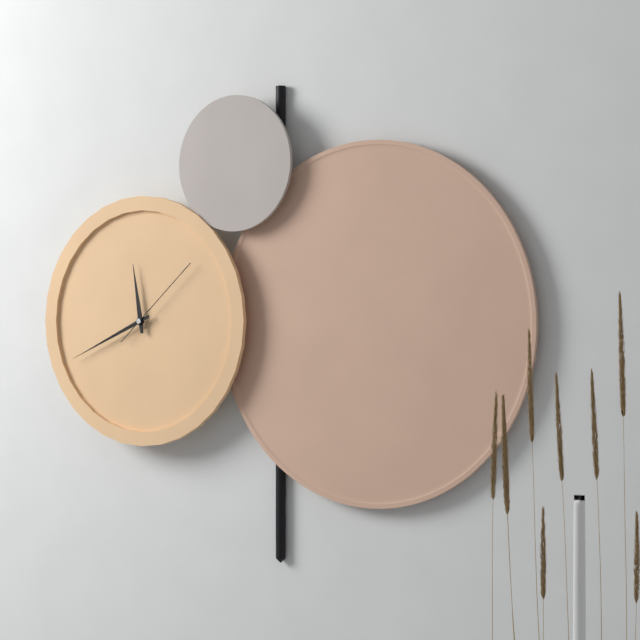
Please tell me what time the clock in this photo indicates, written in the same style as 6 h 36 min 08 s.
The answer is 11 h 41 min 08 s
